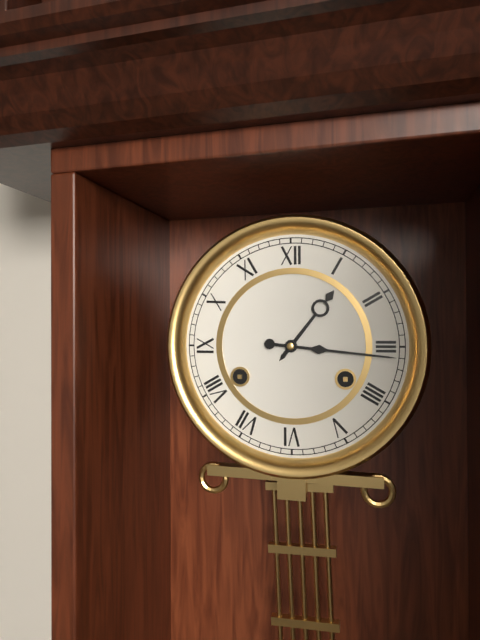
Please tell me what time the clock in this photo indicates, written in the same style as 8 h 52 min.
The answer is 1 h 16 min
